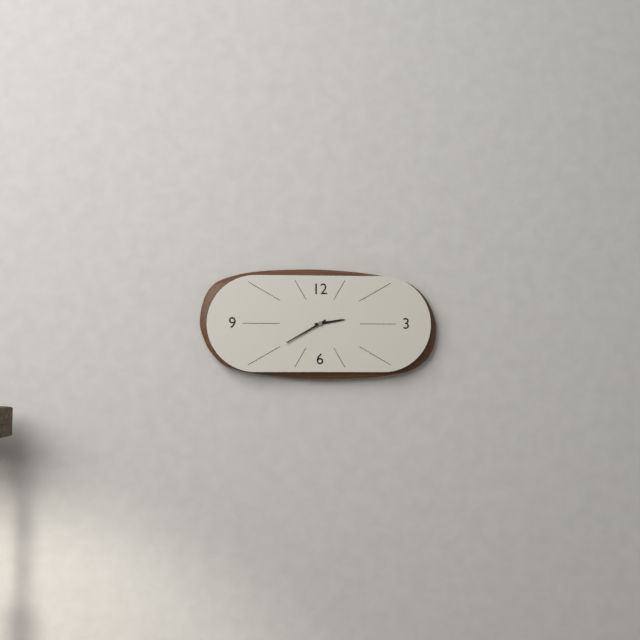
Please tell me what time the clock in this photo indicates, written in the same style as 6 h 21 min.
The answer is 2 h 40 min
